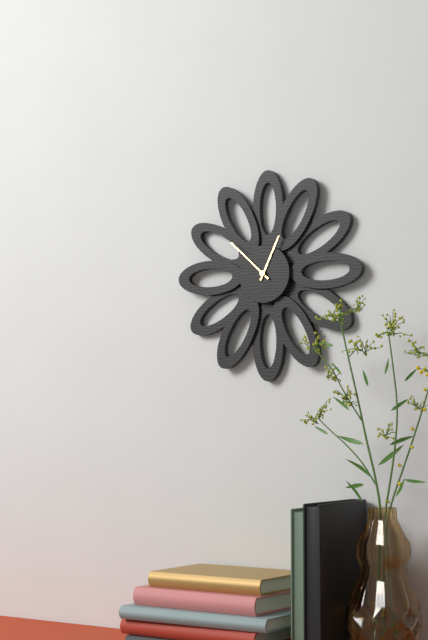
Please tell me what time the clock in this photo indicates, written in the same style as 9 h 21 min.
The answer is 12 h 52 min
